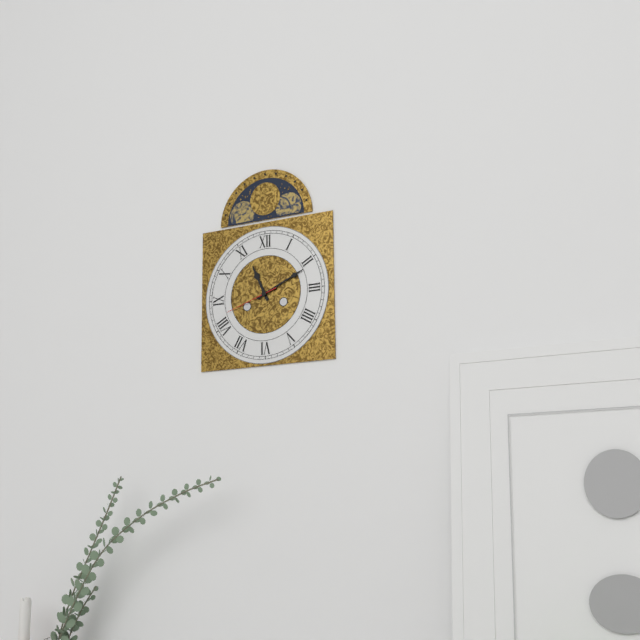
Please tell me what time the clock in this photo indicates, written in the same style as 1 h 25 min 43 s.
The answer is 11 h 11 min 42 s
